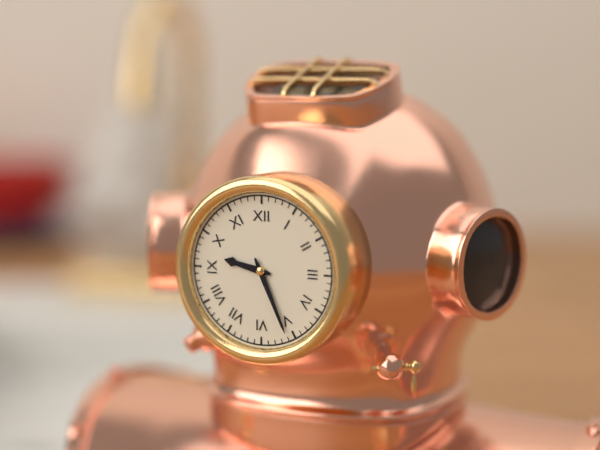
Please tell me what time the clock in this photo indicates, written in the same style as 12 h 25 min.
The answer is 9 h 26 min
